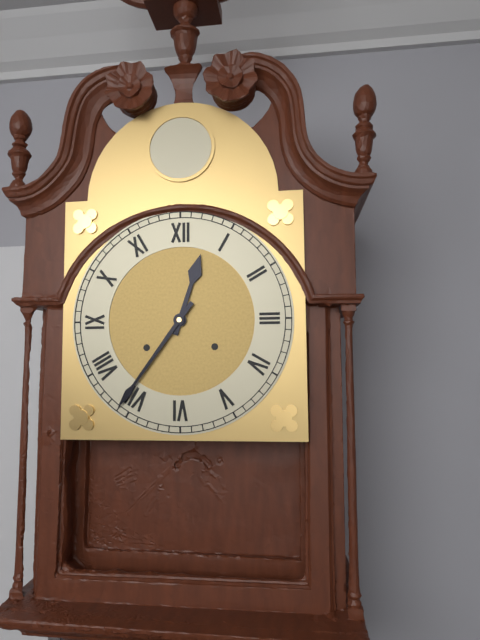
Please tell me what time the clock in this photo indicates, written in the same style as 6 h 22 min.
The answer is 12 h 36 min
